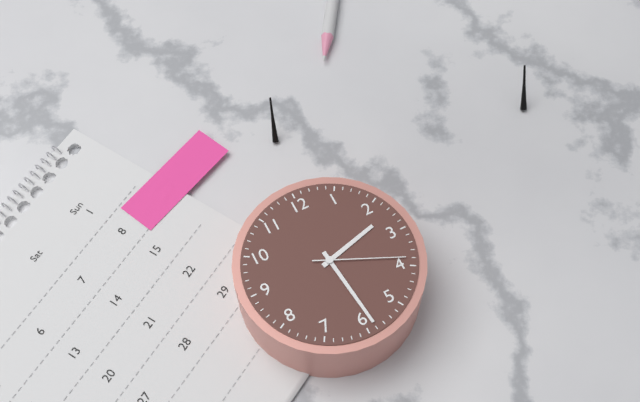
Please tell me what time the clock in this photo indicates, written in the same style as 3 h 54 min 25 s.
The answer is 2 h 29 min 19 s
